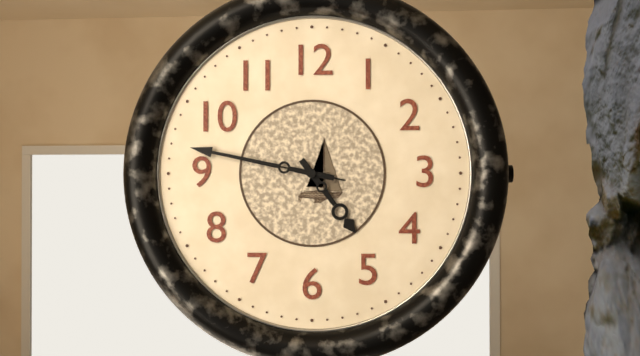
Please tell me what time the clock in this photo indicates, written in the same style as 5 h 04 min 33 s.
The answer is 4 h 47 min 47 s
